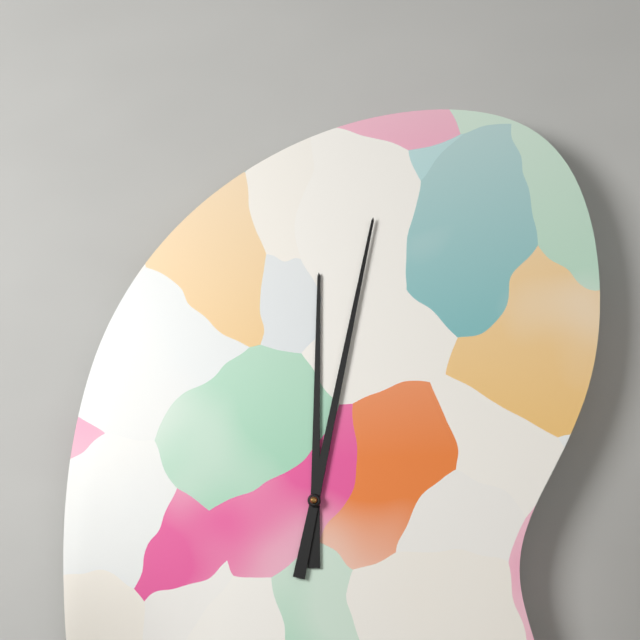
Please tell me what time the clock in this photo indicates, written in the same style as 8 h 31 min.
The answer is 12 h 02 min
